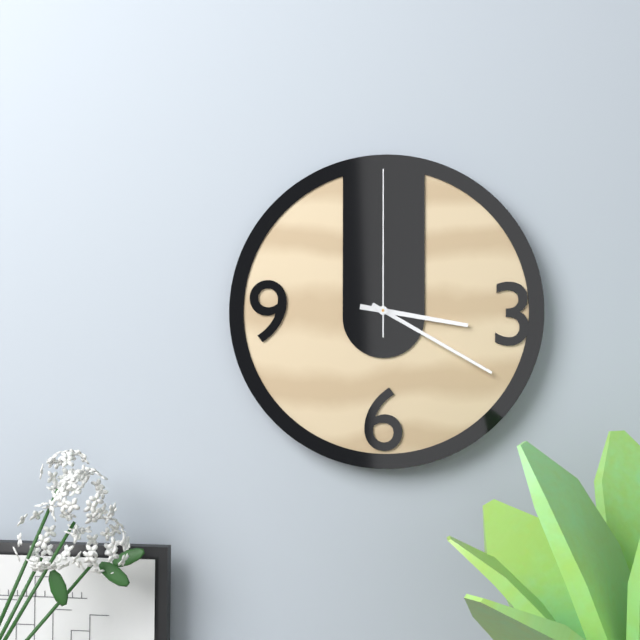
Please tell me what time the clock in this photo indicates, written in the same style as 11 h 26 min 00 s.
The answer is 3 h 20 min 00 s
